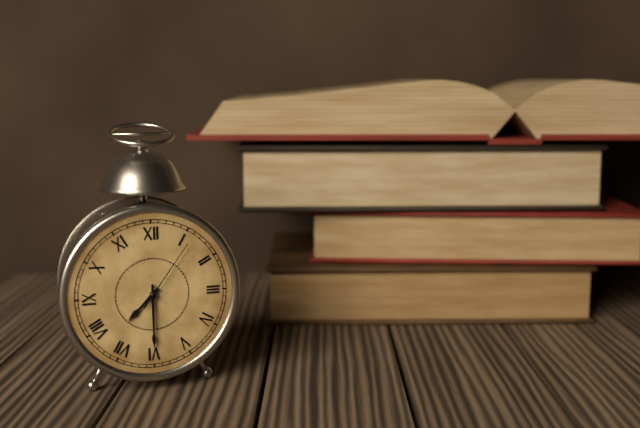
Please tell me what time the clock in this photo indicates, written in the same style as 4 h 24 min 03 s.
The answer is 7 h 30 min 06 s
